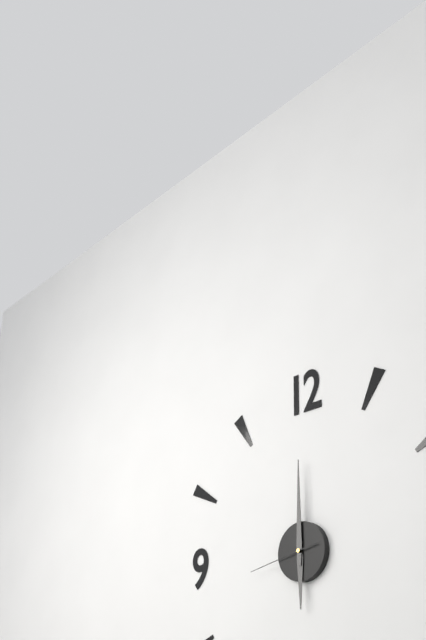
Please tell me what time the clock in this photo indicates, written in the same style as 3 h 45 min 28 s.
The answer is 6 h 00 min 43 s
